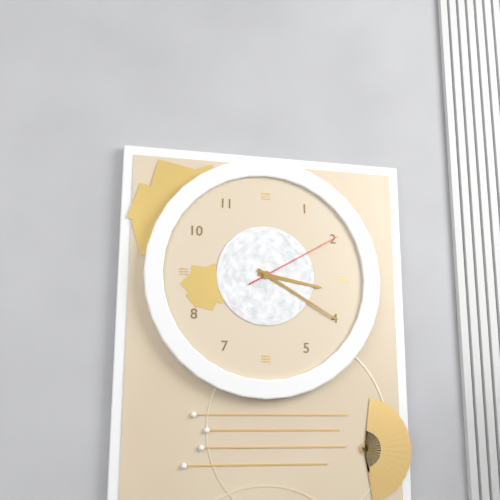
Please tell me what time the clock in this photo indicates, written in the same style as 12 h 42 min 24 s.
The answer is 3 h 20 min 10 s
